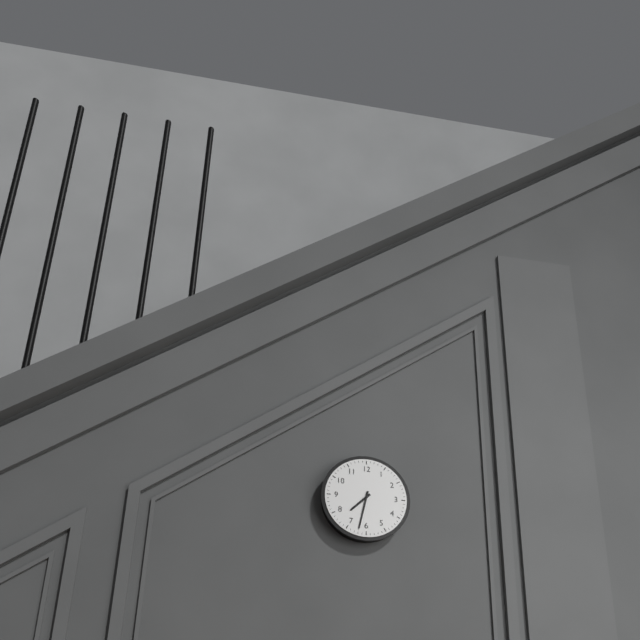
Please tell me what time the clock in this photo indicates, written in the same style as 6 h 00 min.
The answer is 7 h 32 min
